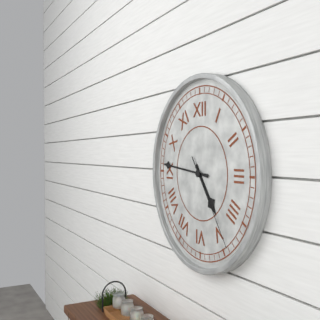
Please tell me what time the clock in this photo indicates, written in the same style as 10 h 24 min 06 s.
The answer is 4 h 46 min 24 s
